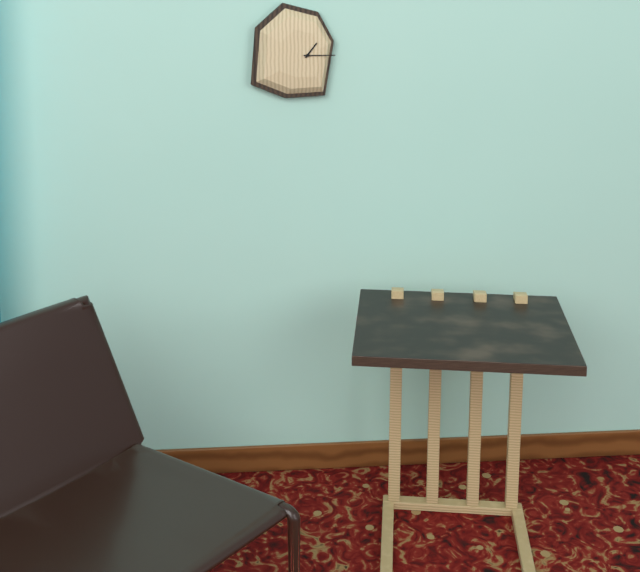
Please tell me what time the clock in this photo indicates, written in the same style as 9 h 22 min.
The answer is 1 h 15 min
